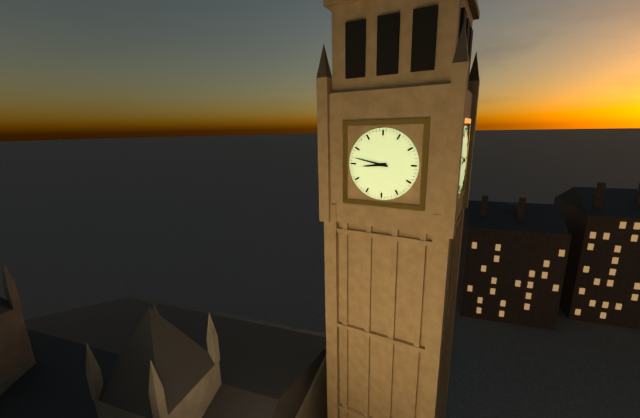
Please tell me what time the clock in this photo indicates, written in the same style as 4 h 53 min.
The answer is 8 h 47 min
